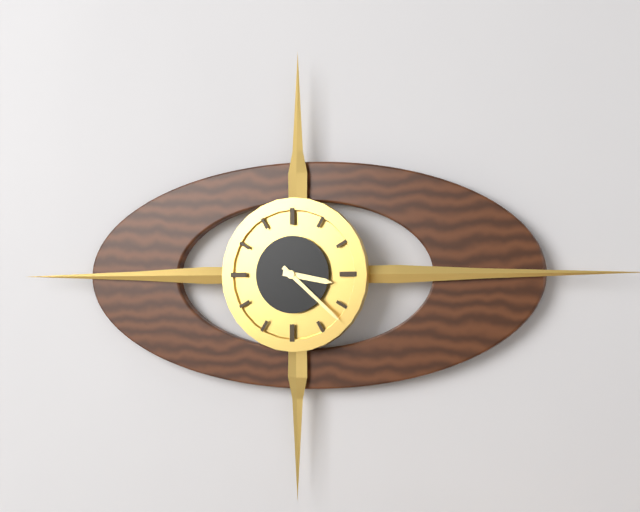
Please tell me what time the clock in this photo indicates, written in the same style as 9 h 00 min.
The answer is 3 h 22 min
